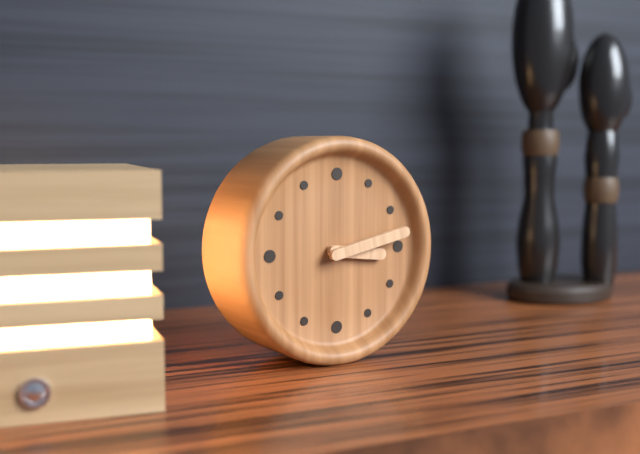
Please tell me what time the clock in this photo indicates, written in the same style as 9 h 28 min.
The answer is 3 h 13 min
